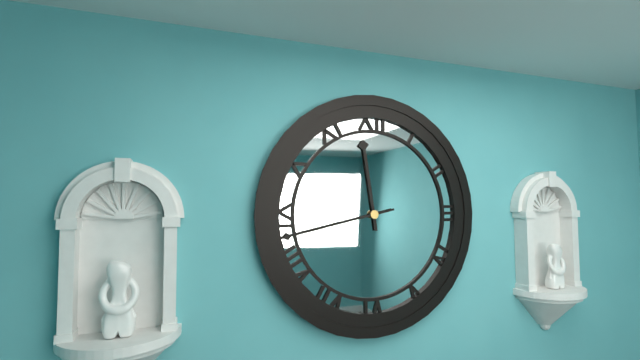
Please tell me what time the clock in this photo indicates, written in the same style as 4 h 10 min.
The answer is 11 h 43 min
